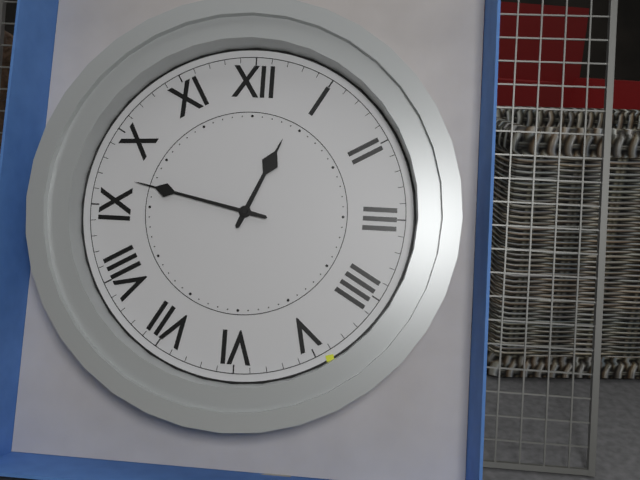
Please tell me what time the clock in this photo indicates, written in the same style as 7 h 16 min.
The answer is 12 h 47 min
